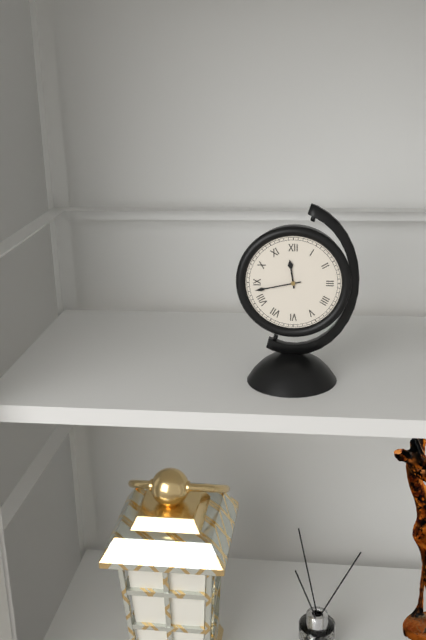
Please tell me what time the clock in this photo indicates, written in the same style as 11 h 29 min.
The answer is 11 h 43 min
